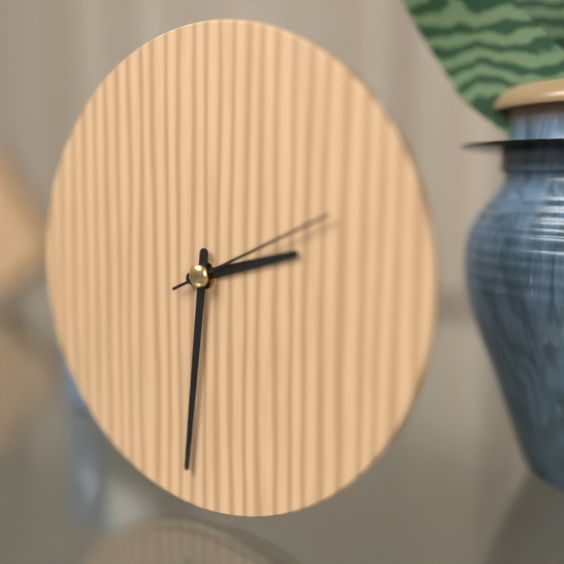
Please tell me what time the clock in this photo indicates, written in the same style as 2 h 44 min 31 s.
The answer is 2 h 31 min 11 s
